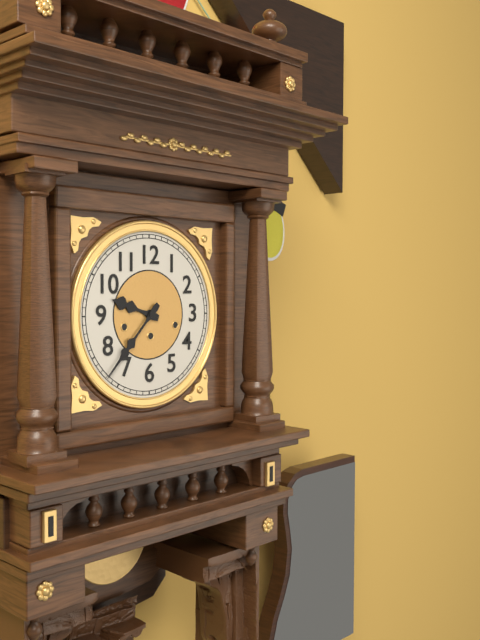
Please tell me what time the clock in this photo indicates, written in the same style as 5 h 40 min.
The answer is 9 h 37 min
